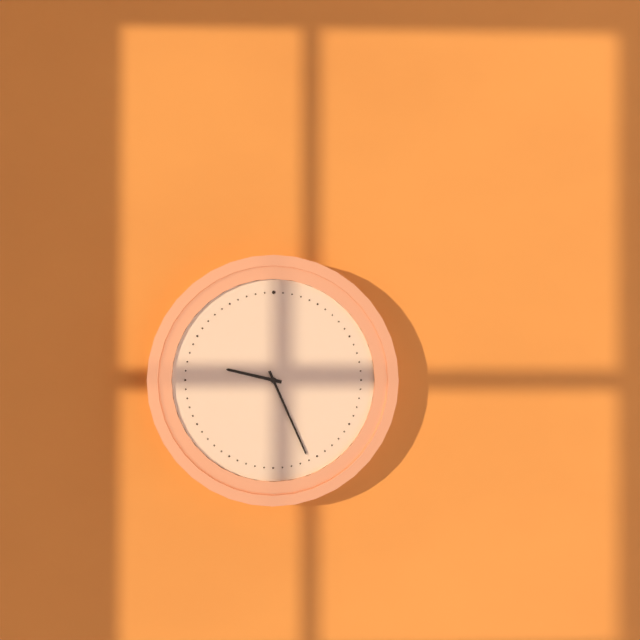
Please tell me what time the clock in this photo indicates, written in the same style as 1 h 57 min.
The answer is 9 h 26 min
